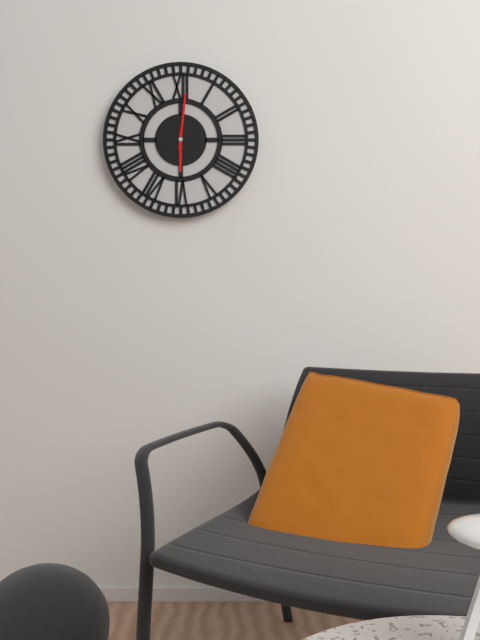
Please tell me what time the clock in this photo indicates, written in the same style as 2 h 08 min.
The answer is 6 h 01 min
